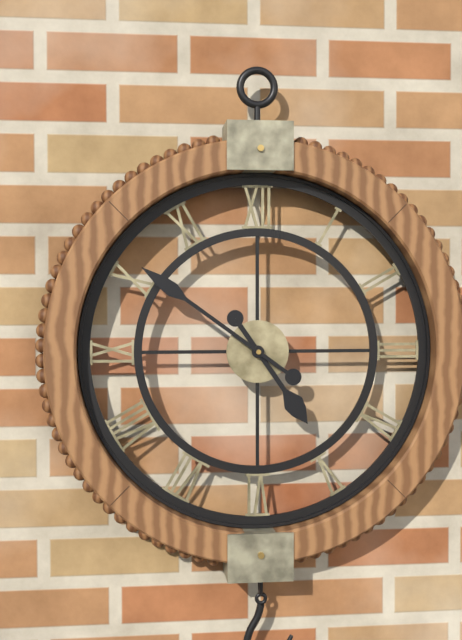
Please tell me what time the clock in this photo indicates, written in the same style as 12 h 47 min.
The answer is 4 h 51 min
